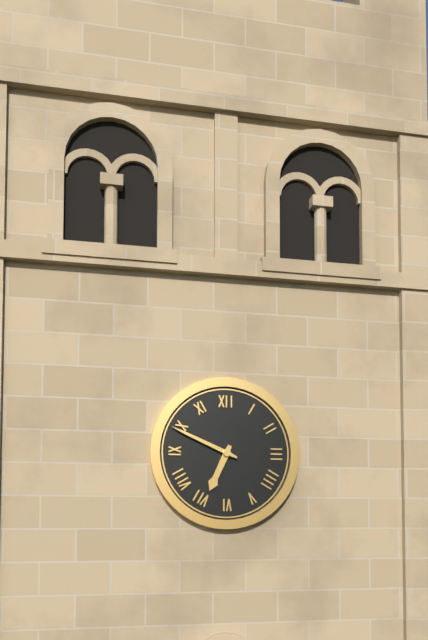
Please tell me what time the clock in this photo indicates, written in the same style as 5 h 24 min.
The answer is 6 h 49 min
